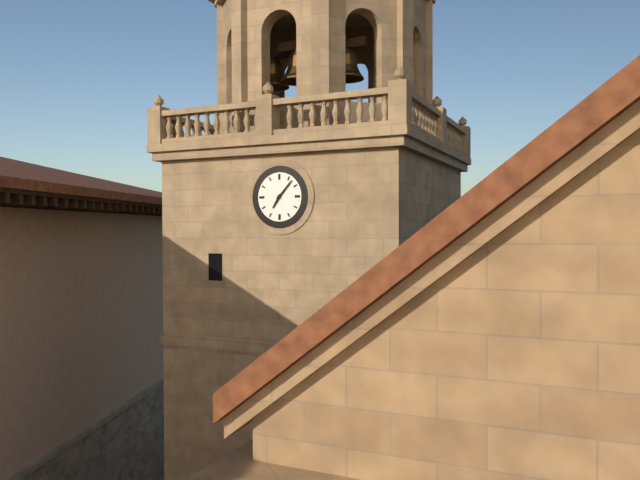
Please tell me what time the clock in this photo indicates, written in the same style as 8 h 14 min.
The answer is 7 h 07 min
